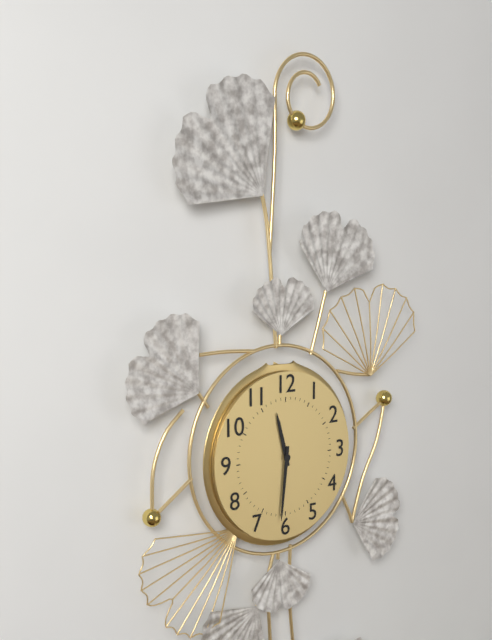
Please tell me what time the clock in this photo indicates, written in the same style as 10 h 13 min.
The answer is 11 h 31 min
